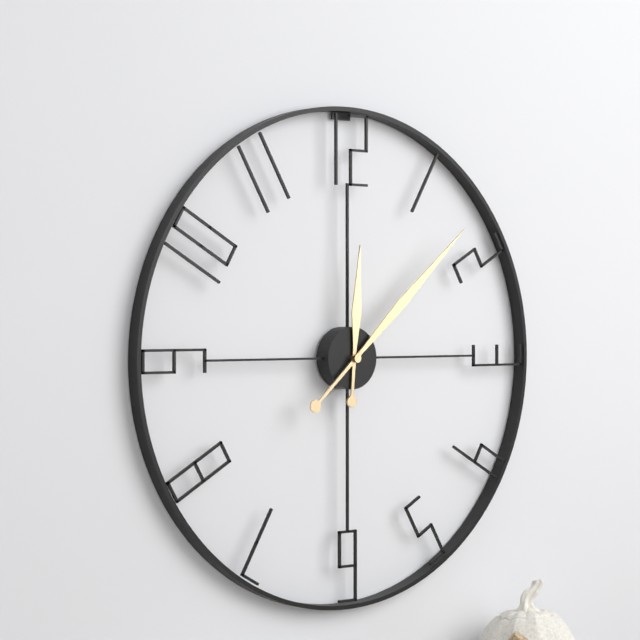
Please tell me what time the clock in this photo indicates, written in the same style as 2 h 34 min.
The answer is 12 h 08 min
